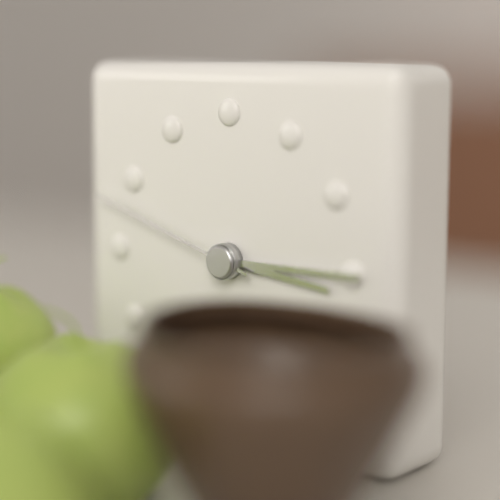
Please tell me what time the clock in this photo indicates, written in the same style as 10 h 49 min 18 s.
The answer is 3 h 15 min 48 s
